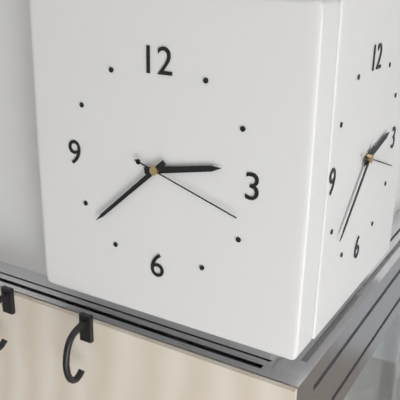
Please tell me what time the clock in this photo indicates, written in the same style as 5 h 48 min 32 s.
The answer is 2 h 38 min 18 s
